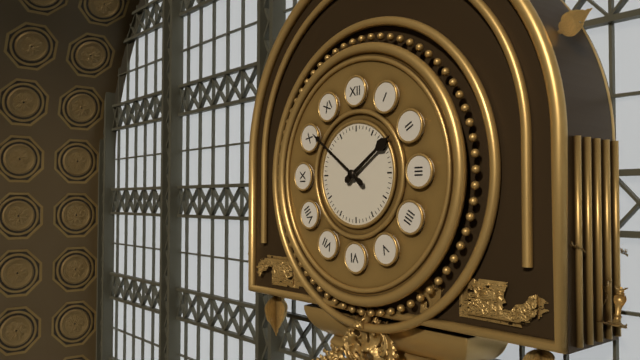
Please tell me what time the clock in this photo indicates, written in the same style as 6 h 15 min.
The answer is 1 h 51 min
